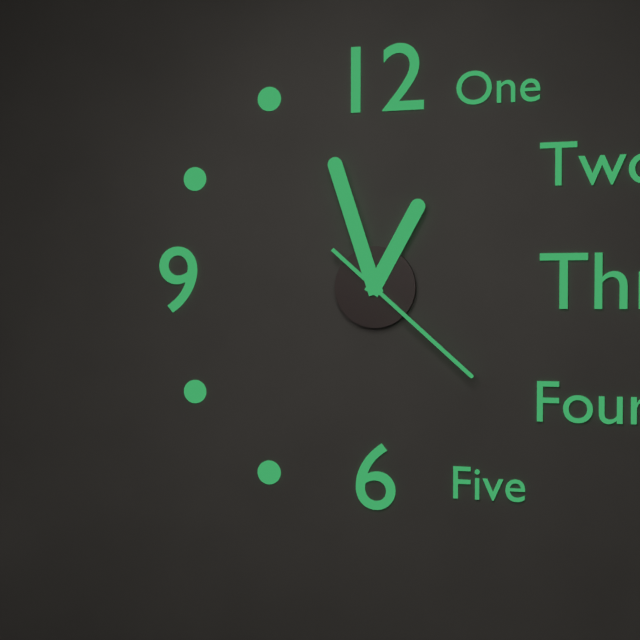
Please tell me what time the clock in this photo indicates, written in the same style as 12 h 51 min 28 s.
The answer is 12 h 57 min 22 s
